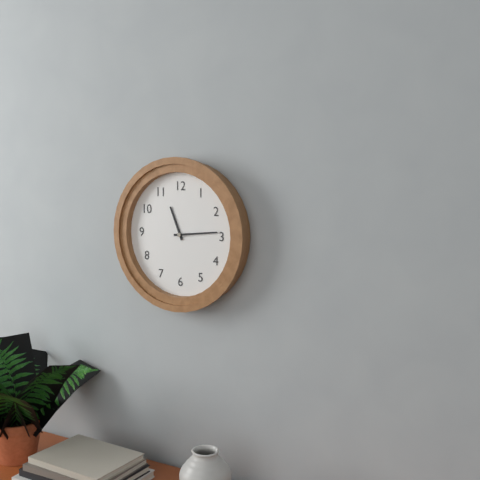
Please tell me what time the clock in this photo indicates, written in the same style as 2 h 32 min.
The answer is 11 h 14 min
